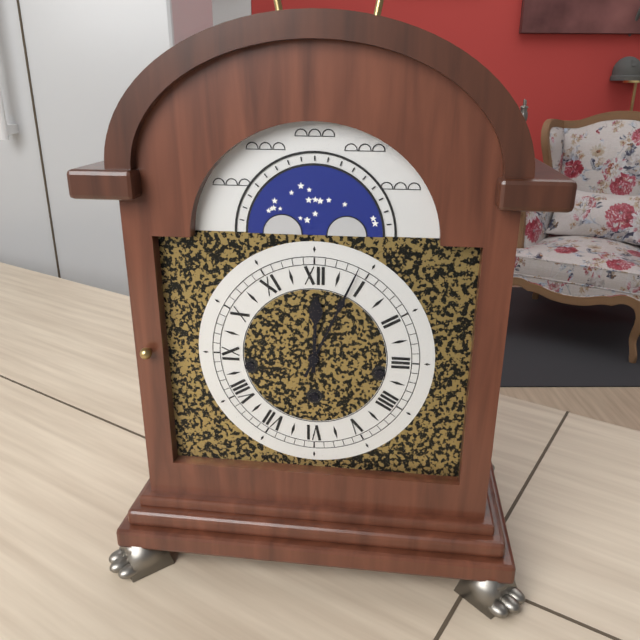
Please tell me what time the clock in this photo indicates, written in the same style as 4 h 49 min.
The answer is 12 h 04 min
